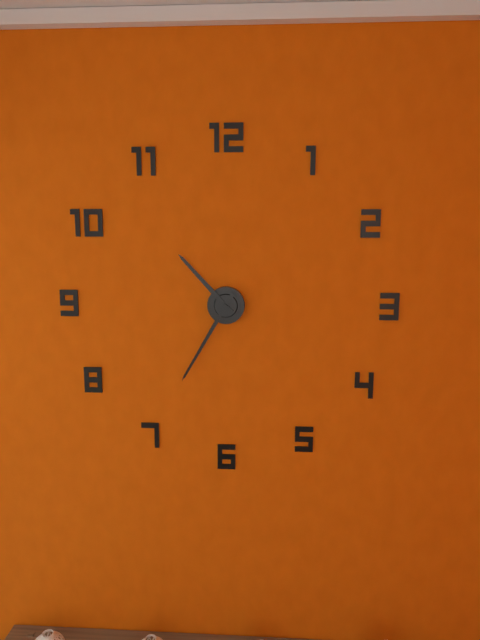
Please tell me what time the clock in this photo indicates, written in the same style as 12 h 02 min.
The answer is 10 h 35 min
